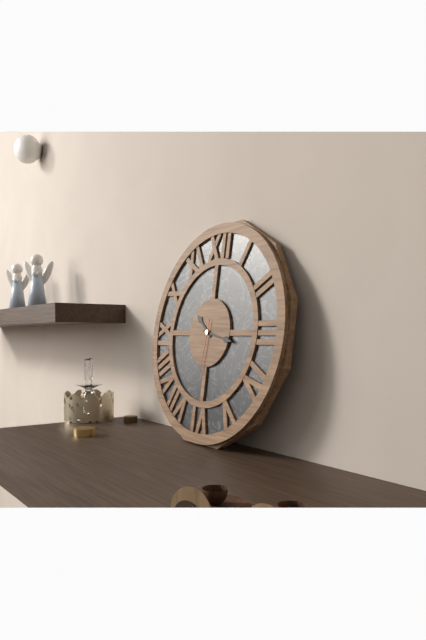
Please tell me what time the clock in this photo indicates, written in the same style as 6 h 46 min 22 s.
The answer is 10 h 17 min 31 s
